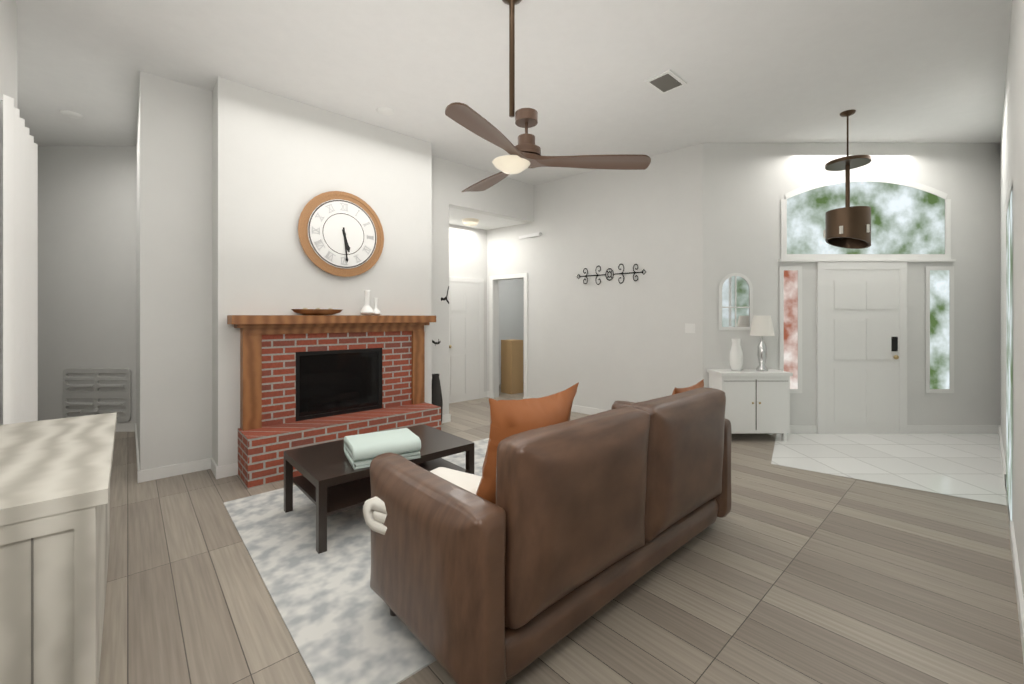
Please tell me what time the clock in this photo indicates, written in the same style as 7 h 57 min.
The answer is 5 h 29 min
